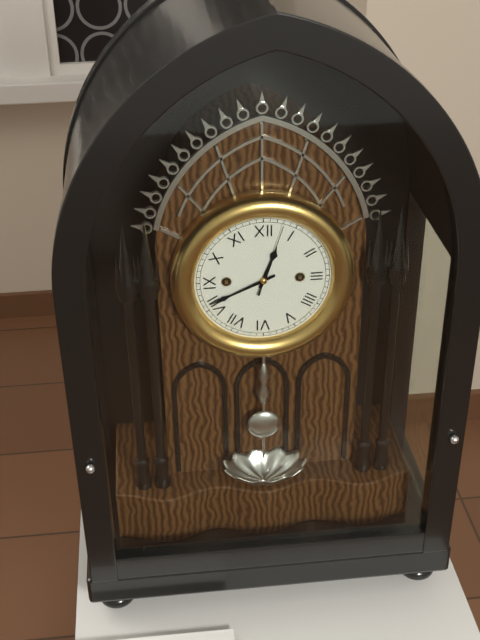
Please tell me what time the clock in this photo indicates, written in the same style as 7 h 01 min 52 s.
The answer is 12 h 41 min 03 s
